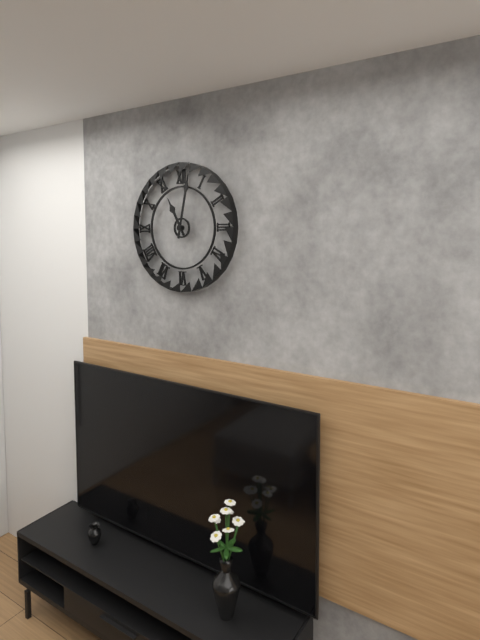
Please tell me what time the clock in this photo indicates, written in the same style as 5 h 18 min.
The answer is 11 h 02 min
